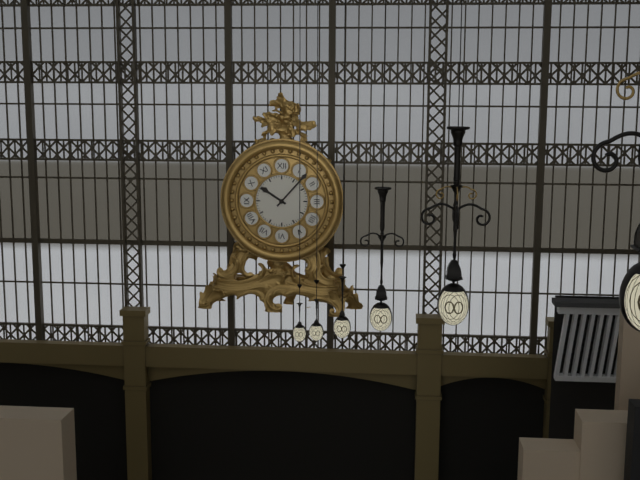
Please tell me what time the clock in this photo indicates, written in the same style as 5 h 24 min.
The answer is 10 h 07 min
